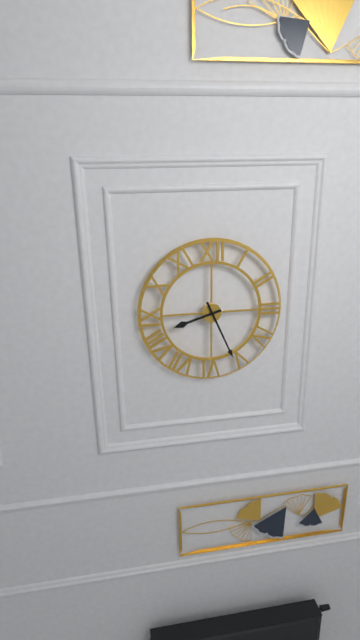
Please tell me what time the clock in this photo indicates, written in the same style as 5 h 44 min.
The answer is 8 h 26 min
